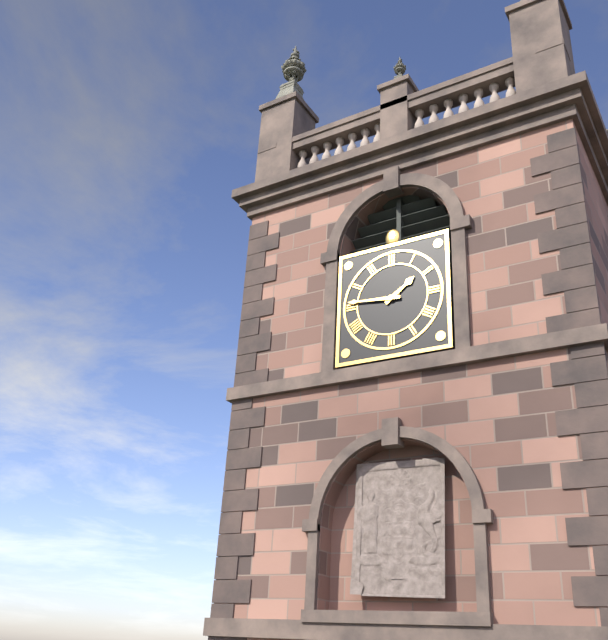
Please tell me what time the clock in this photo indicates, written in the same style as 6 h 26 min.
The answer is 1 h 46 min
